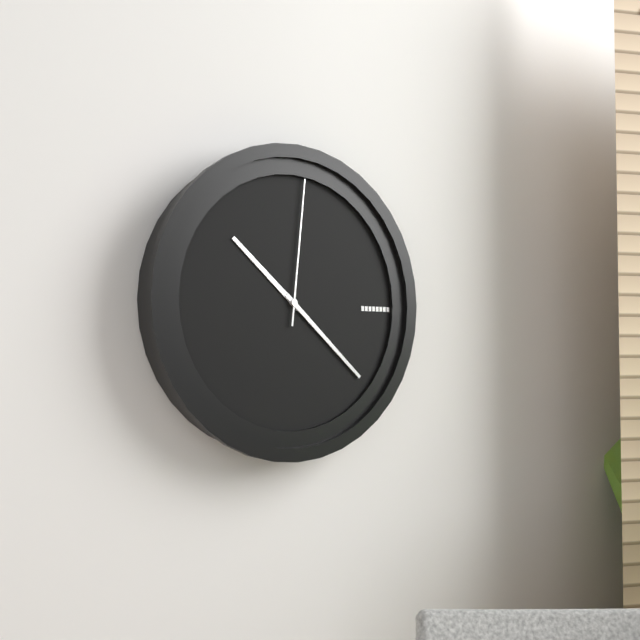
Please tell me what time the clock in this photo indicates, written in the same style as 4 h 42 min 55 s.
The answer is 10 h 22 min 01 s
